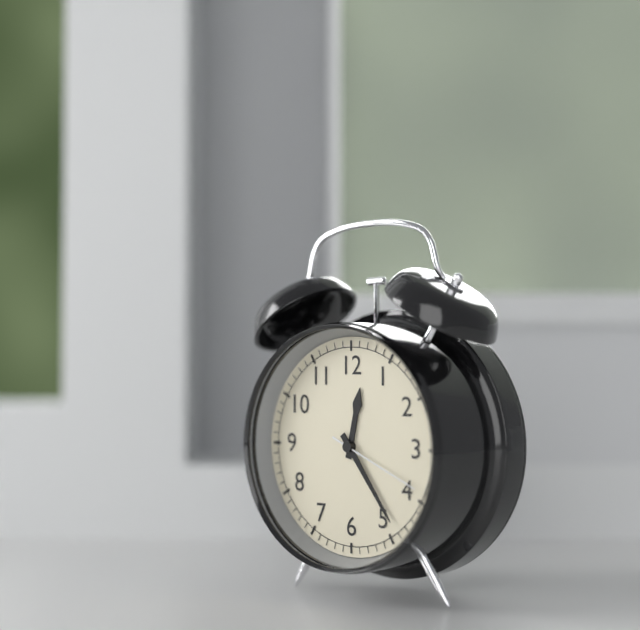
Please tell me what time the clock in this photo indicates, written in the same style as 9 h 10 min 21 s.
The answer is 12 h 24 min 19 s
